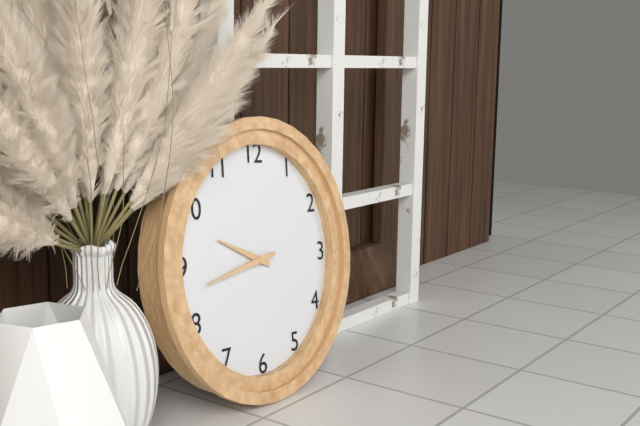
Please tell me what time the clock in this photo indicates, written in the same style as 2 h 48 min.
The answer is 9 h 43 min
